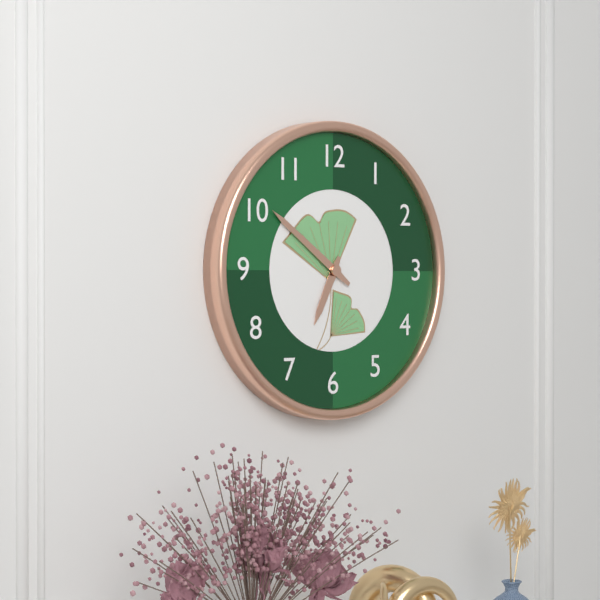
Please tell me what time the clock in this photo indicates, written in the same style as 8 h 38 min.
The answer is 6 h 51 min
